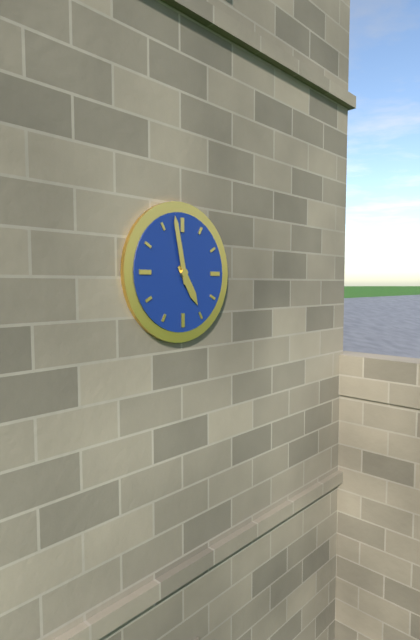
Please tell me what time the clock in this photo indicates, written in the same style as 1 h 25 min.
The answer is 4 h 58 min
